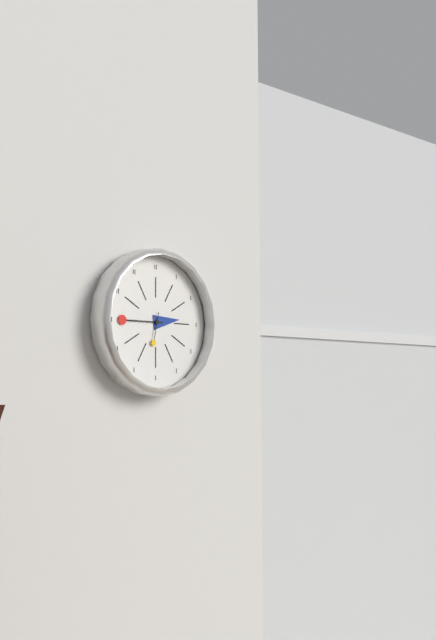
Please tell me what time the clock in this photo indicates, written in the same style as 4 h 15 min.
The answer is 2 h 45 min
